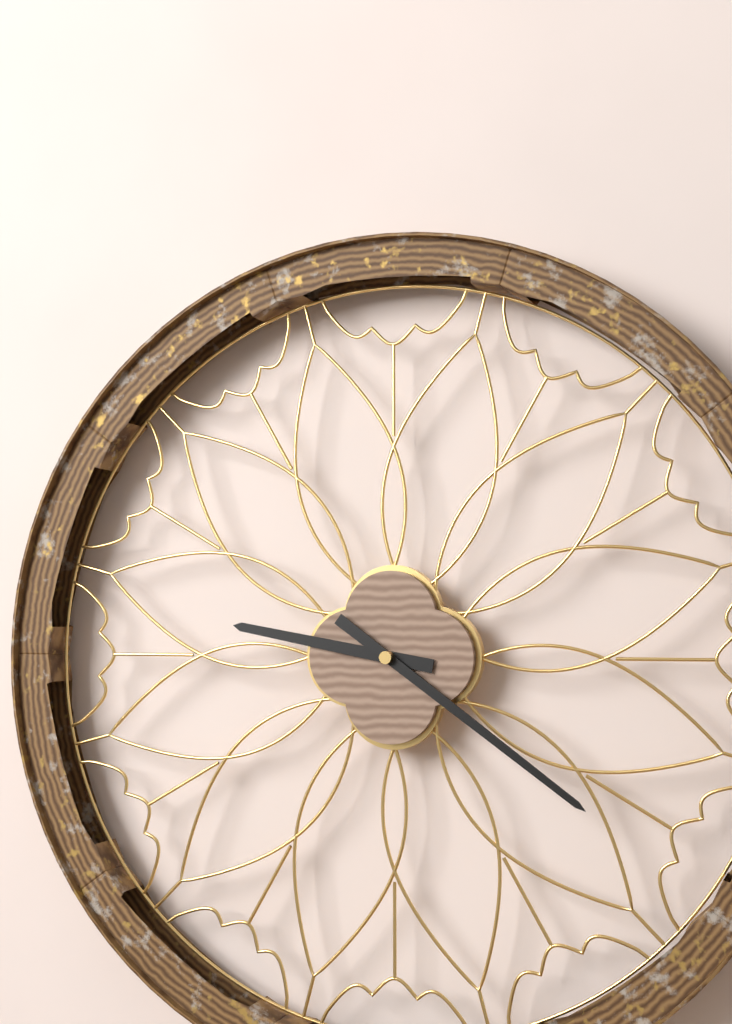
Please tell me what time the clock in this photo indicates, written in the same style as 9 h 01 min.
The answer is 9 h 21 min
